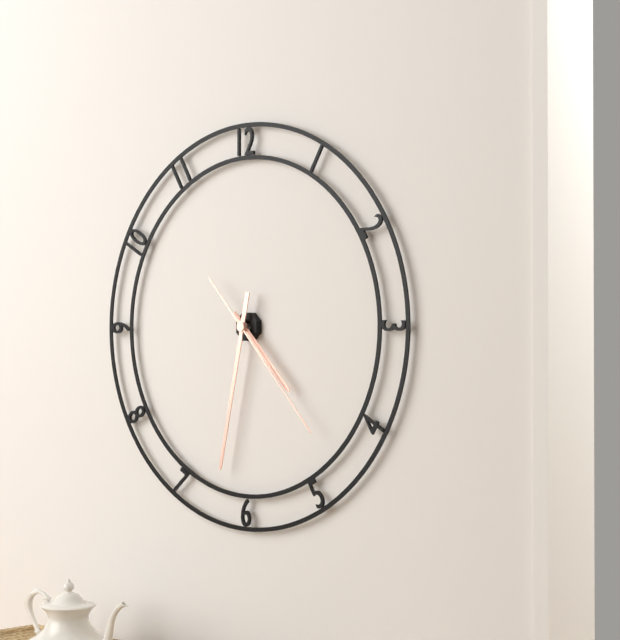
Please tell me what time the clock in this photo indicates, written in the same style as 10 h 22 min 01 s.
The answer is 4 h 32 min 23 s
